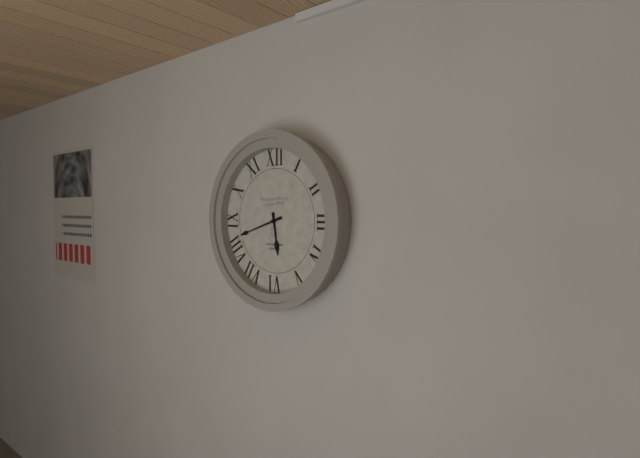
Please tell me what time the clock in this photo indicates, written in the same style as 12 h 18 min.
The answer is 5 h 42 min
